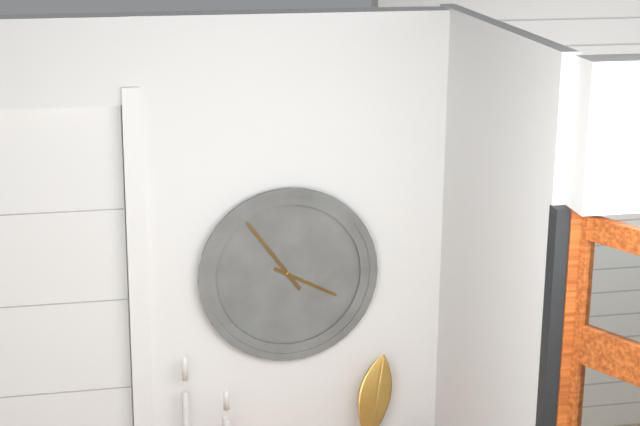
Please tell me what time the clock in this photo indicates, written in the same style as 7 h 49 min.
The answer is 3 h 54 min
